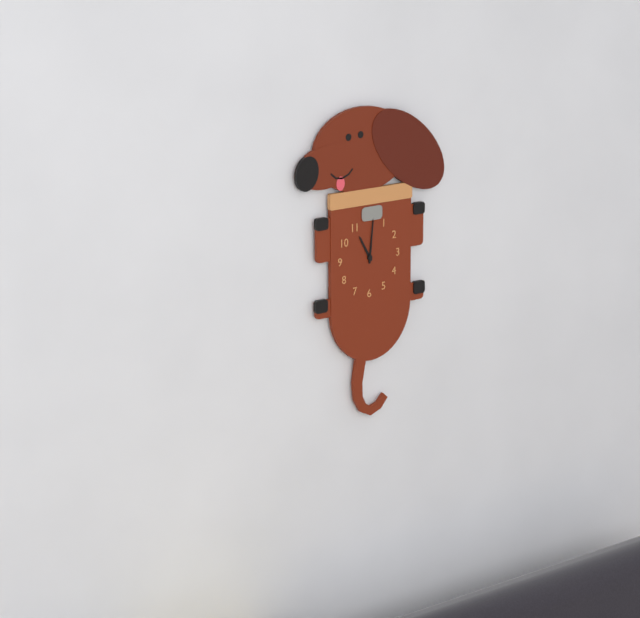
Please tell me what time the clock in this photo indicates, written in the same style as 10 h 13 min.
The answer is 11 h 01 min
